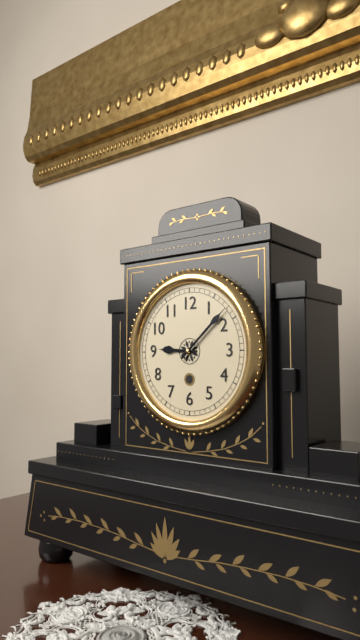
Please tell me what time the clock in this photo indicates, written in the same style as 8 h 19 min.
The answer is 9 h 08 min
